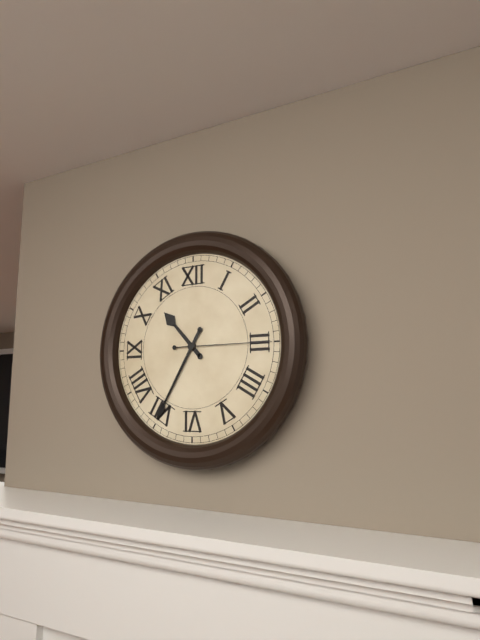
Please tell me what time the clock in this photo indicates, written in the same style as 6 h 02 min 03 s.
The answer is 10 h 35 min 15 s
